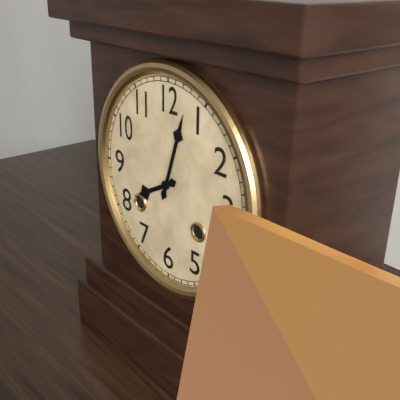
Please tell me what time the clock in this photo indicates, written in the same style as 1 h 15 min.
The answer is 8 h 03 min
